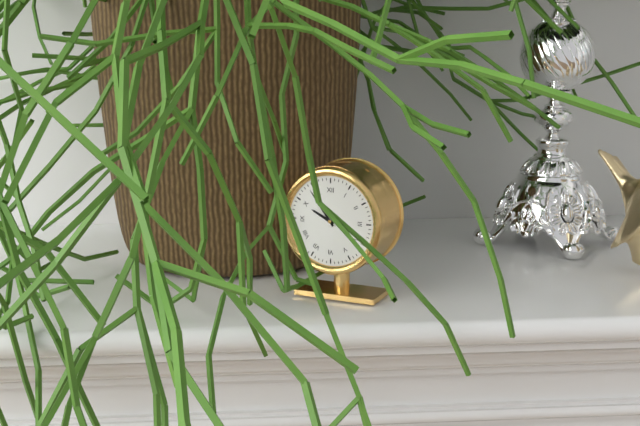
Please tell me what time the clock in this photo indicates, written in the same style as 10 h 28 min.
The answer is 9 h 54 min
